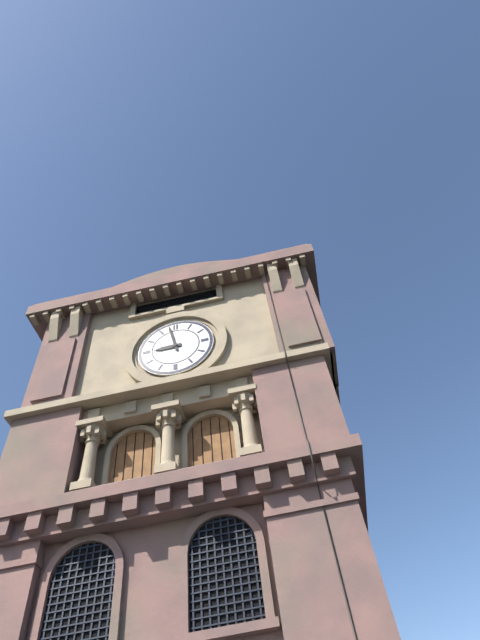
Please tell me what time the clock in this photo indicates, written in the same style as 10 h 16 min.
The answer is 8 h 58 min
